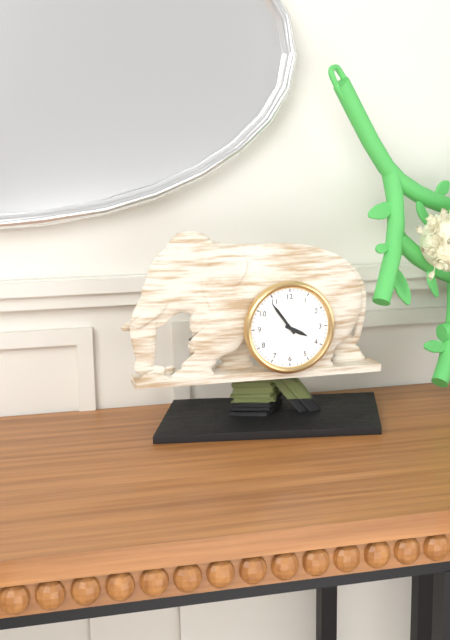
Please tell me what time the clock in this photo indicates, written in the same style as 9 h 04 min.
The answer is 3 h 54 min
